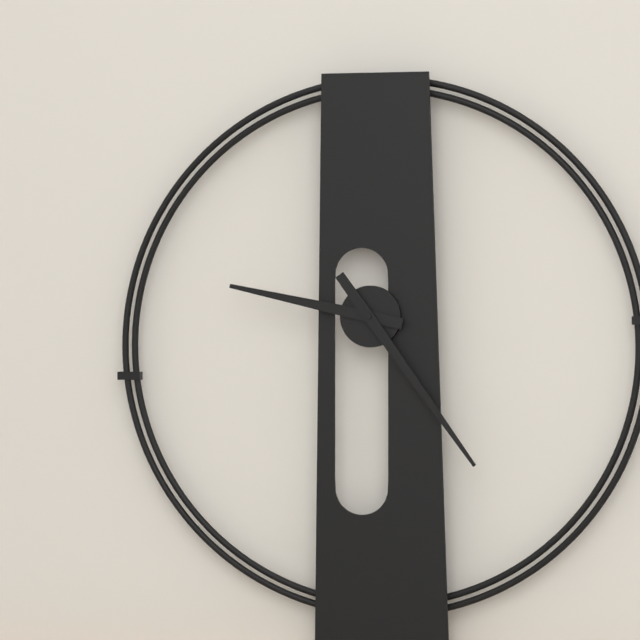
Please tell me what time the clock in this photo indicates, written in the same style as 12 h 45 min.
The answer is 9 h 24 min
